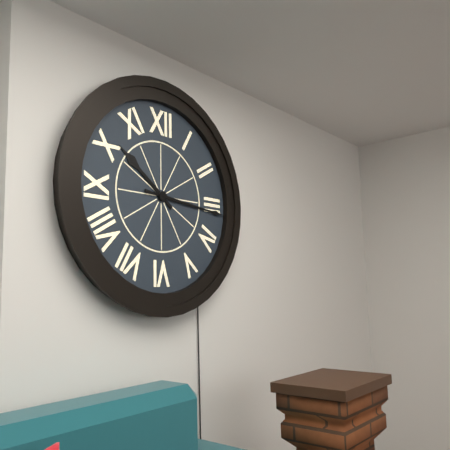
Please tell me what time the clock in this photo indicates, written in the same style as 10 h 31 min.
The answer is 10 h 16 min
